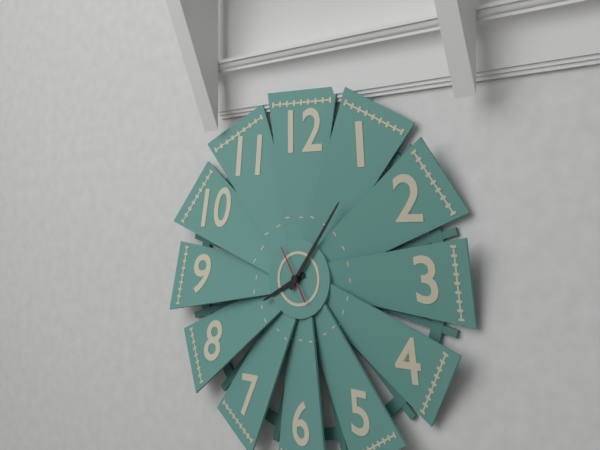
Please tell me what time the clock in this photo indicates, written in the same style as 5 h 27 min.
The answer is 8 h 06 min
